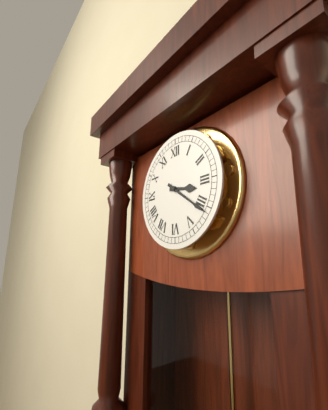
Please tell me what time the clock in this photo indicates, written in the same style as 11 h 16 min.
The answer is 3 h 21 min
